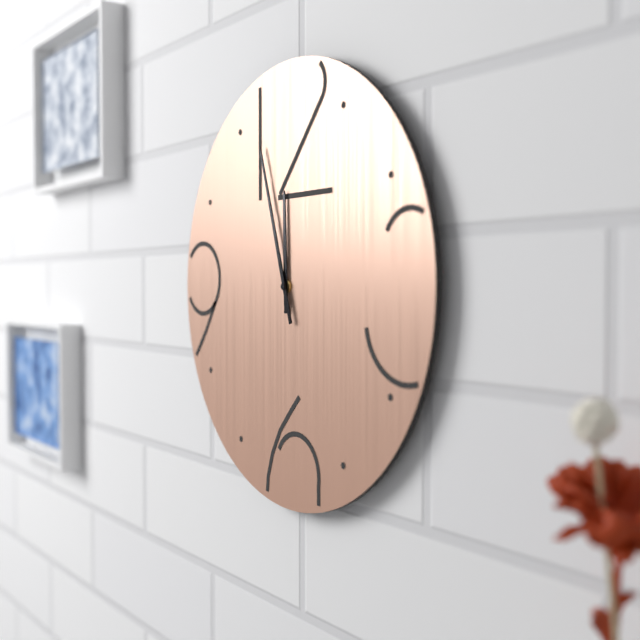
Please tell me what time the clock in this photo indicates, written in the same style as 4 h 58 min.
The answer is 11 h 57 min
